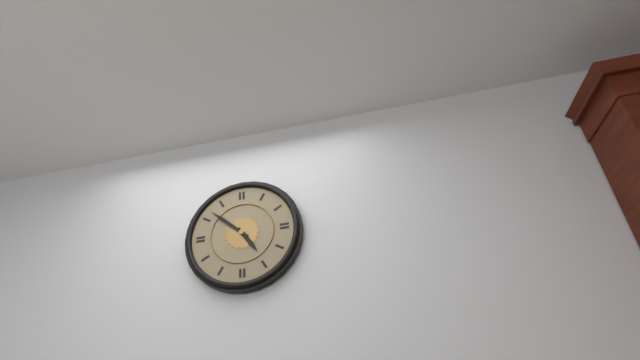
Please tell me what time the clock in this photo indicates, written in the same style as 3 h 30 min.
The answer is 4 h 52 min
